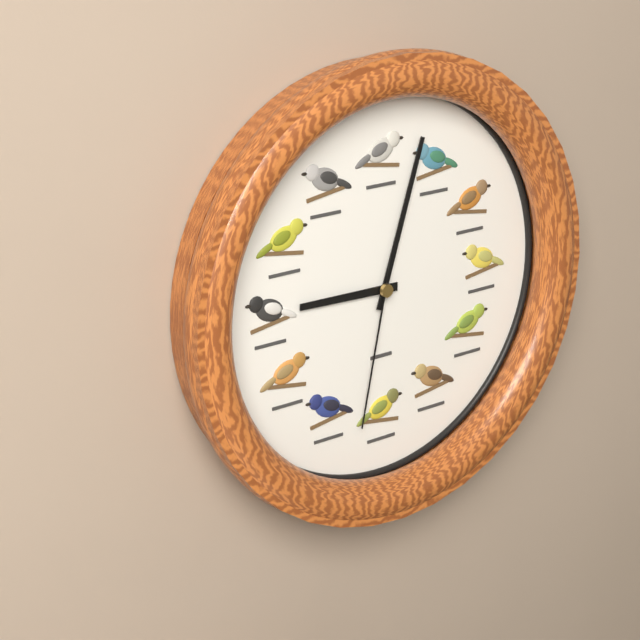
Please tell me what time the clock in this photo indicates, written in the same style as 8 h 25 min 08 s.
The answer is 9 h 03 min 32 s
